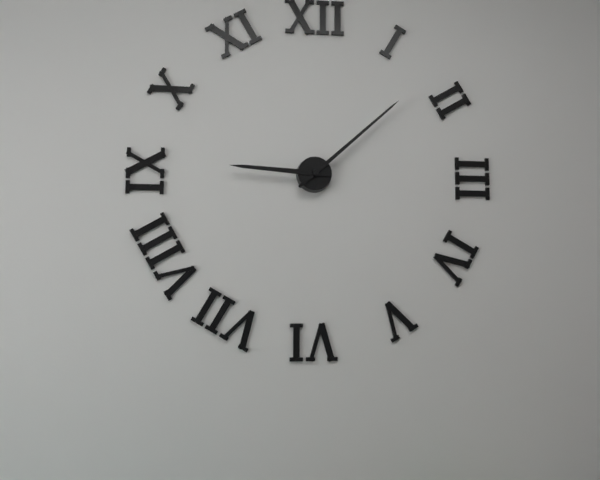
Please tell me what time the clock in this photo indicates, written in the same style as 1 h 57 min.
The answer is 9 h 08 min
